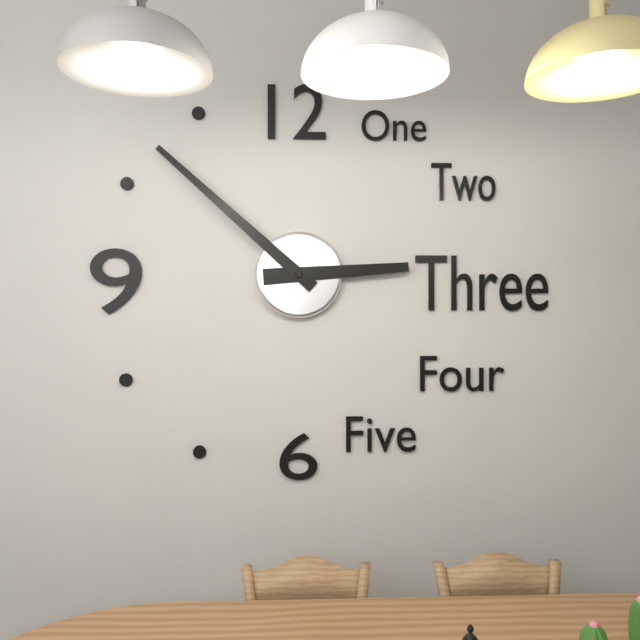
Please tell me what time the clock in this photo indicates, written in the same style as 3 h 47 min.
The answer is 2 h 52 min
